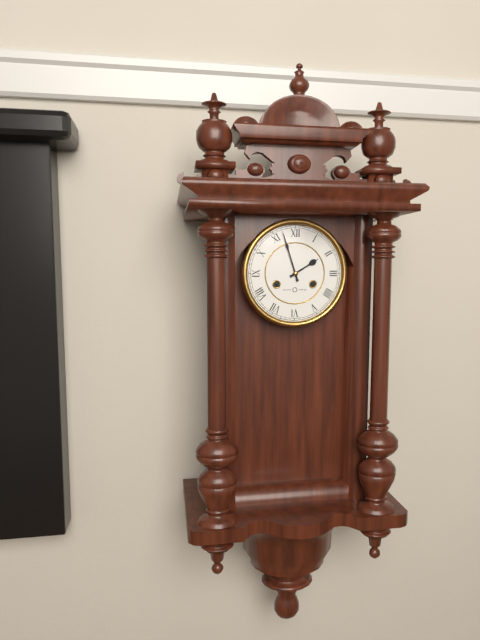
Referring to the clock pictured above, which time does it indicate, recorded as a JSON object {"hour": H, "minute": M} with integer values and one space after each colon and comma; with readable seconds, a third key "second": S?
{"hour": 1, "minute": 57}
